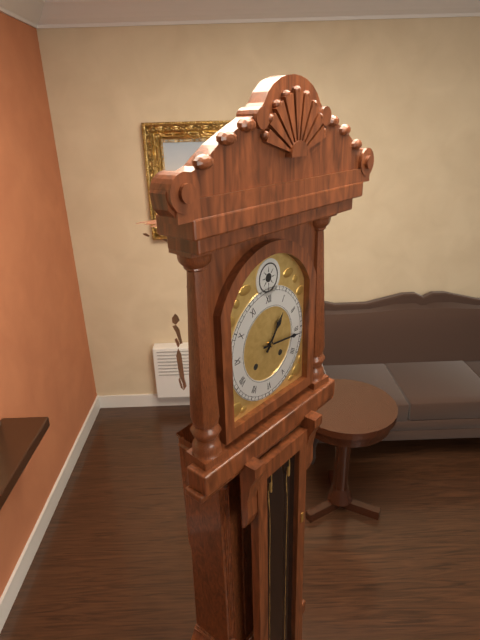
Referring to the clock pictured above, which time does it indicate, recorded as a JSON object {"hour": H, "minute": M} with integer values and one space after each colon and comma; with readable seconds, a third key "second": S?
{"hour": 1, "minute": 16}
